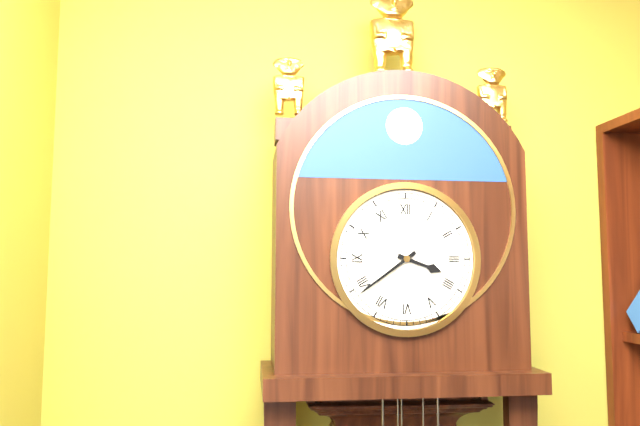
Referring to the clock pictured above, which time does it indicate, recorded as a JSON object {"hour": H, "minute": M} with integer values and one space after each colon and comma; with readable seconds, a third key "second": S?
{"hour": 3, "minute": 39}
